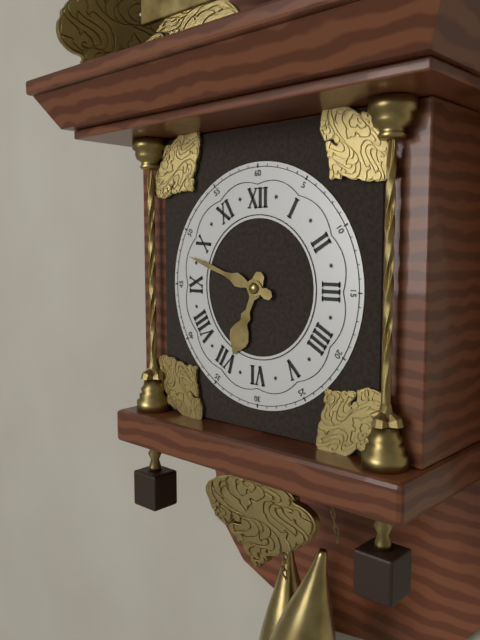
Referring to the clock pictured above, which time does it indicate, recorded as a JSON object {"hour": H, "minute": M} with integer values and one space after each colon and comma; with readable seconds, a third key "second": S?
{"hour": 6, "minute": 48}
